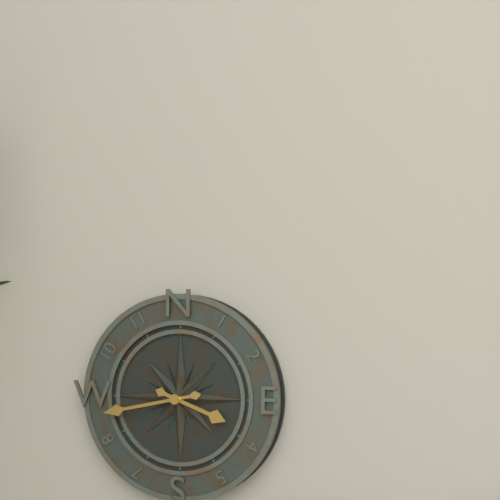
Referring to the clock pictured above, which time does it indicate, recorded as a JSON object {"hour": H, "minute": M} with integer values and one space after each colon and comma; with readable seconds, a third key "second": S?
{"hour": 3, "minute": 43}
